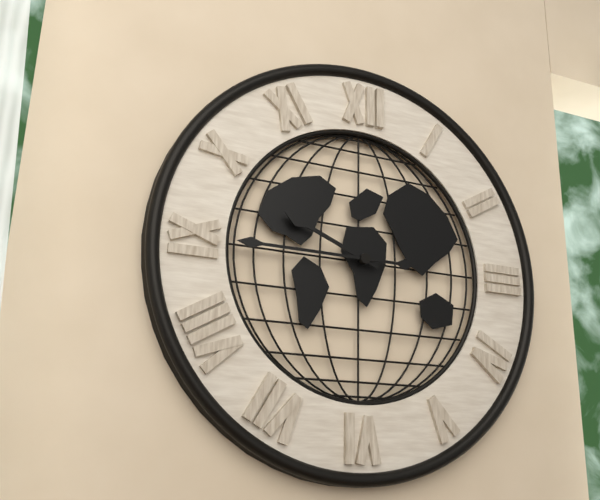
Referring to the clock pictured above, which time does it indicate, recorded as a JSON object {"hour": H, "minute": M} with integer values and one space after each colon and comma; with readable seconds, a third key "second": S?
{"hour": 9, "minute": 45}
